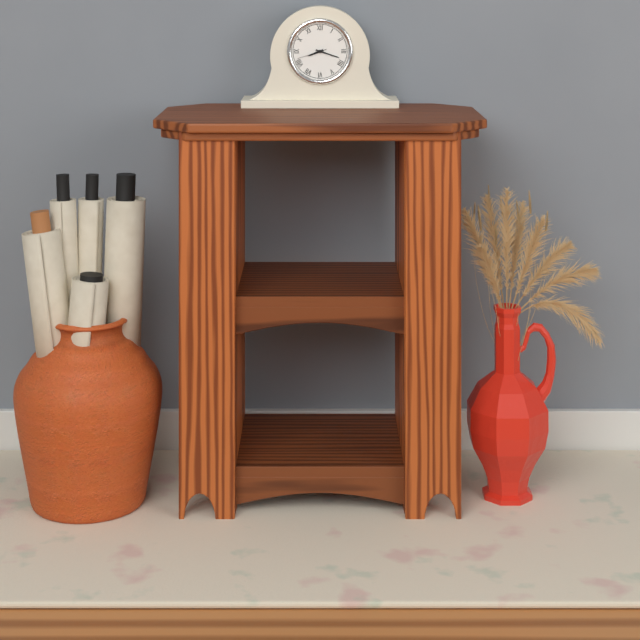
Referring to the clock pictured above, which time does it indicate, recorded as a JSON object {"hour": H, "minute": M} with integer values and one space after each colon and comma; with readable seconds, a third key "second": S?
{"hour": 8, "minute": 18}
